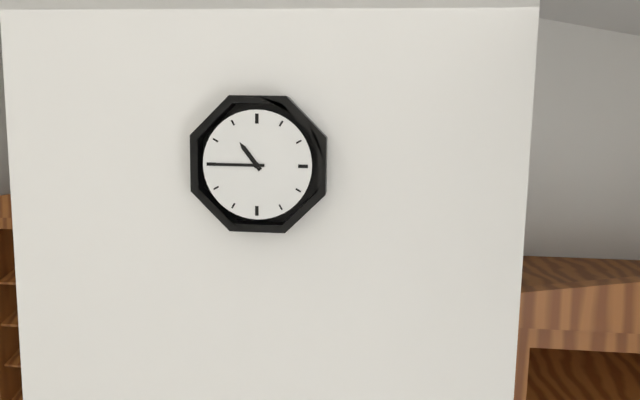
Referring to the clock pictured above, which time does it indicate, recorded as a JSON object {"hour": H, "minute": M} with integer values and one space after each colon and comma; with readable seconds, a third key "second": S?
{"hour": 10, "minute": 45}
